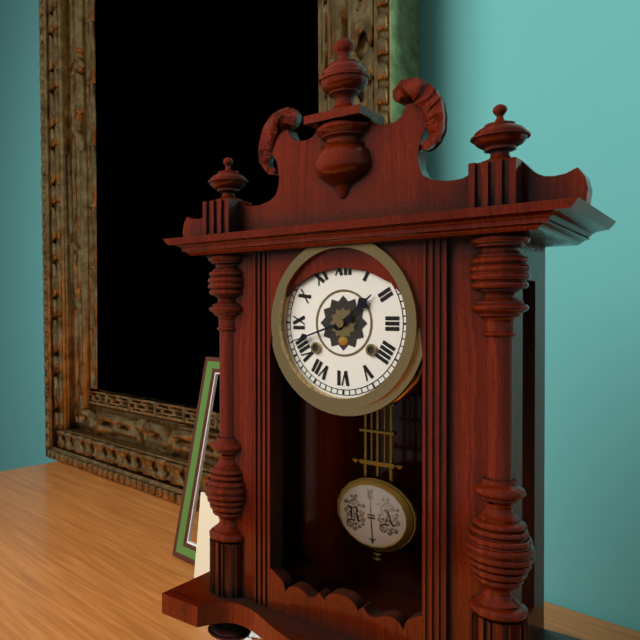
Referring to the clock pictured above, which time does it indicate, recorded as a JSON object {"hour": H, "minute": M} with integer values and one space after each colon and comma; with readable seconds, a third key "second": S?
{"hour": 1, "minute": 42}
